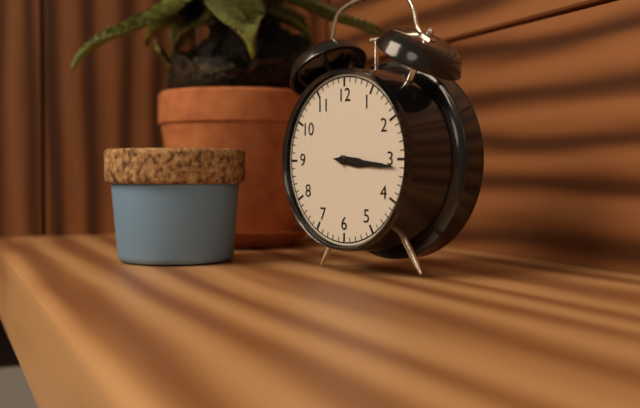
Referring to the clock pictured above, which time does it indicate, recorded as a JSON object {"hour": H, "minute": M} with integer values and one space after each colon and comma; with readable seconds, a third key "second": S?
{"hour": 3, "minute": 16}
